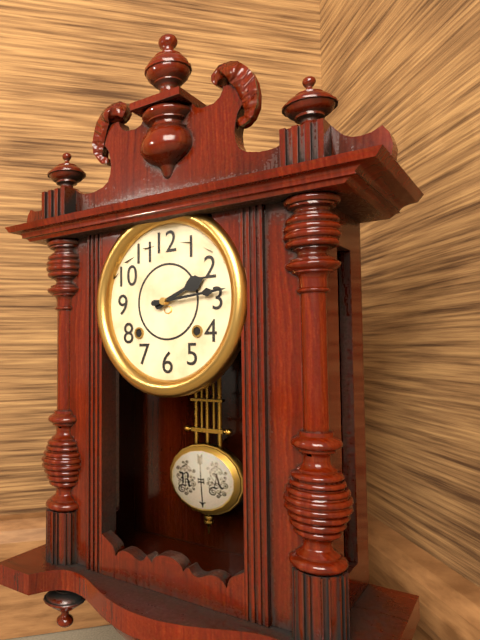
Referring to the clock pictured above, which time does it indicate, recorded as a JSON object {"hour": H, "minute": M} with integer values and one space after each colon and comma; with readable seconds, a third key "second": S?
{"hour": 2, "minute": 14}
